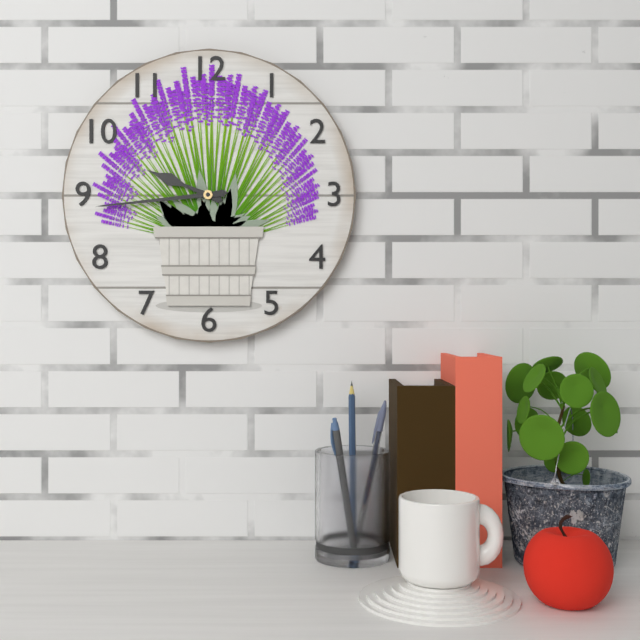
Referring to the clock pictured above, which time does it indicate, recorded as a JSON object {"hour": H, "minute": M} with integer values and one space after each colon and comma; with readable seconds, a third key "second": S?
{"hour": 9, "minute": 44}
